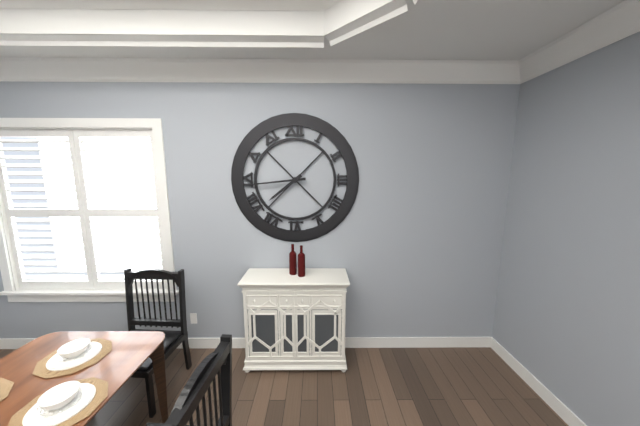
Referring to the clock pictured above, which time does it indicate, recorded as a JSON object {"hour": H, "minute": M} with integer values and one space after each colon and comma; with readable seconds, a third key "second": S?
{"hour": 7, "minute": 44}
